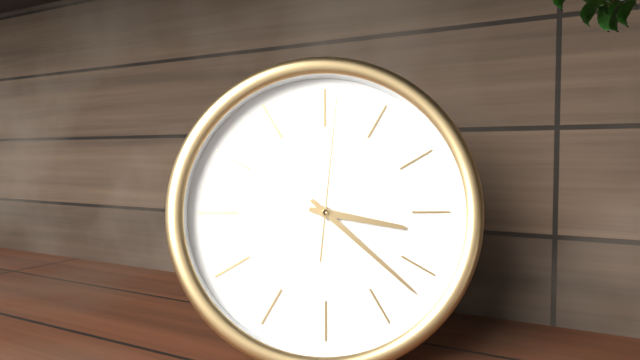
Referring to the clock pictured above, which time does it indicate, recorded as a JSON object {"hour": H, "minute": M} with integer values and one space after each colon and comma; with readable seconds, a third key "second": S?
{"hour": 3, "minute": 22, "second": 1}
